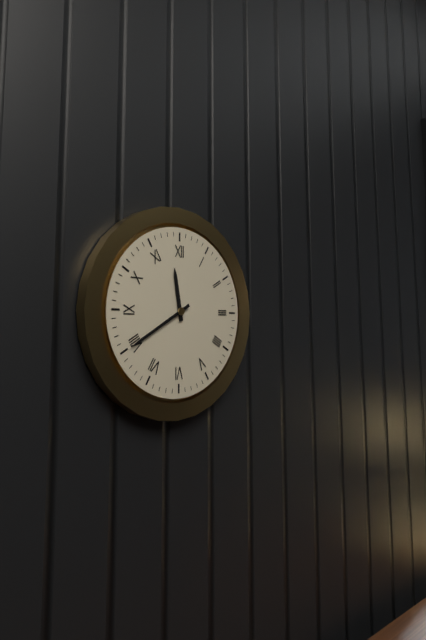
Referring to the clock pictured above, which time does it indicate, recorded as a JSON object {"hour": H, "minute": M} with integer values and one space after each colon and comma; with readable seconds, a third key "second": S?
{"hour": 11, "minute": 40}
